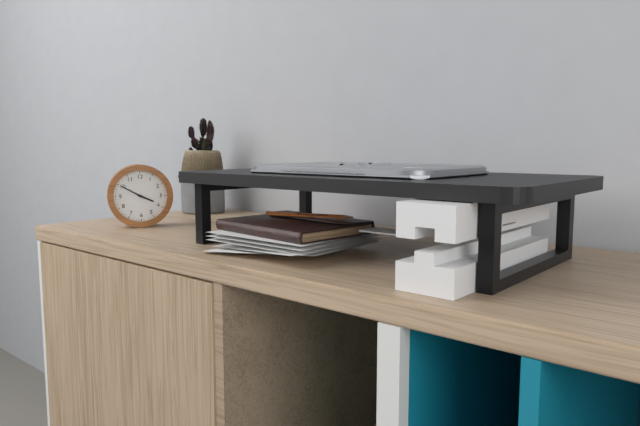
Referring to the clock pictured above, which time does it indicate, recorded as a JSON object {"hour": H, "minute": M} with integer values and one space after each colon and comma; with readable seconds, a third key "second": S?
{"hour": 3, "minute": 50}
